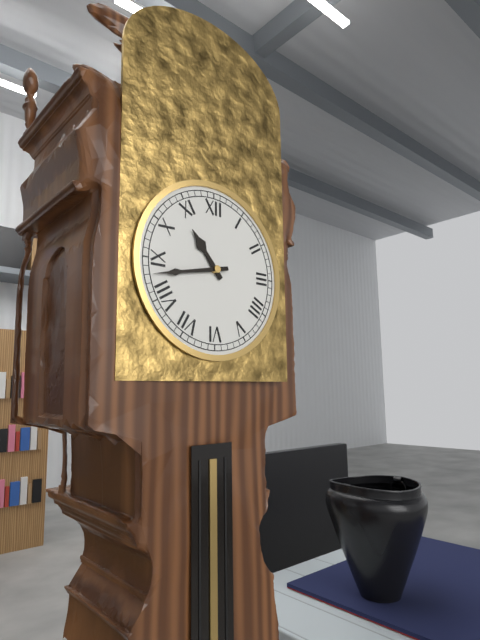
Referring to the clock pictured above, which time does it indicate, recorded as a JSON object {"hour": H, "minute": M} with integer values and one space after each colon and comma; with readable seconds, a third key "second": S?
{"hour": 10, "minute": 43}
